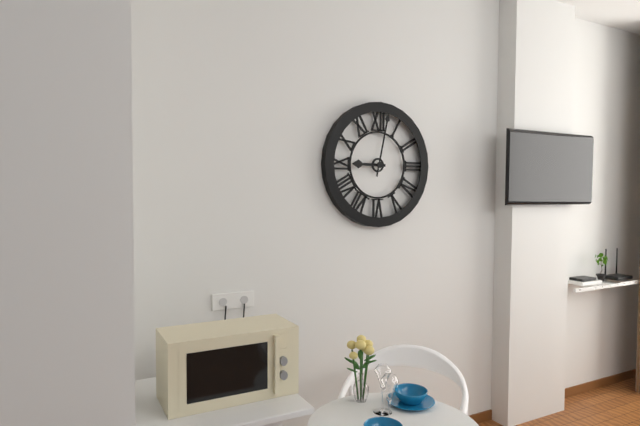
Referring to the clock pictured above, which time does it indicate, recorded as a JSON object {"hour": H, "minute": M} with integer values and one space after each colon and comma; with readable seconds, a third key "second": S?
{"hour": 9, "minute": 2}
